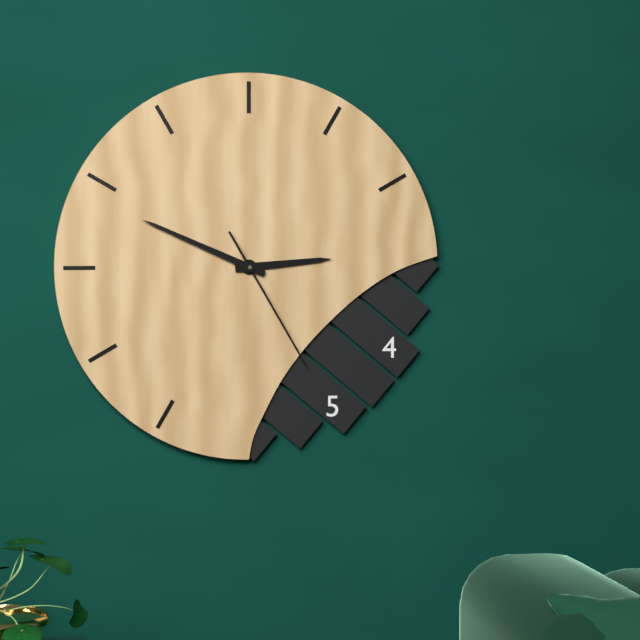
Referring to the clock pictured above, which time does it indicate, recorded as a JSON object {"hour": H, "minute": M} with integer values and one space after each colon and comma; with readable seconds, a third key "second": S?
{"hour": 2, "minute": 49, "second": 25}
